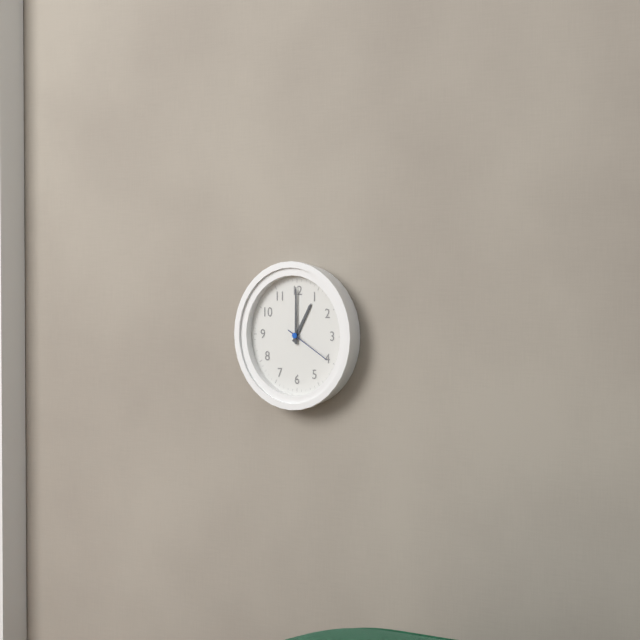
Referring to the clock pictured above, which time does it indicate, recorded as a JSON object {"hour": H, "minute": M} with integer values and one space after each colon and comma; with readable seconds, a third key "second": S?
{"hour": 1, "minute": 0}
